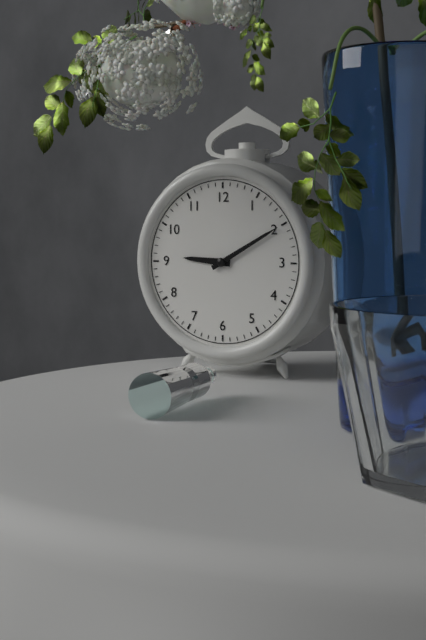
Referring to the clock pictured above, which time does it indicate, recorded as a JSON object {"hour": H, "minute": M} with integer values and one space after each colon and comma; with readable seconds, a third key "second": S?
{"hour": 9, "minute": 10}
